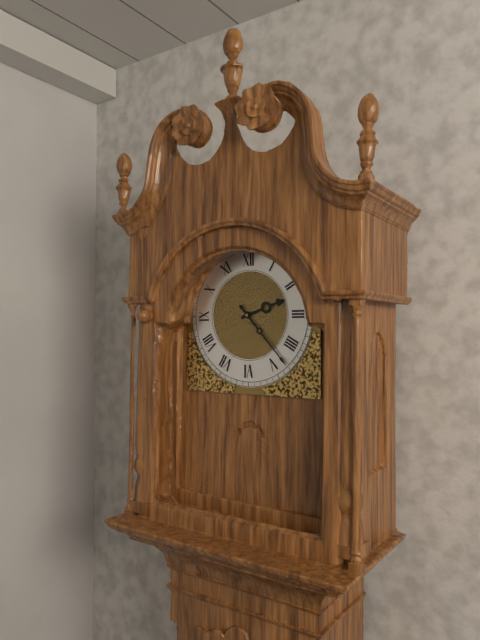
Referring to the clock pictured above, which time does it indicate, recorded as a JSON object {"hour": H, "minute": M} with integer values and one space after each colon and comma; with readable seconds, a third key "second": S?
{"hour": 2, "minute": 23}
